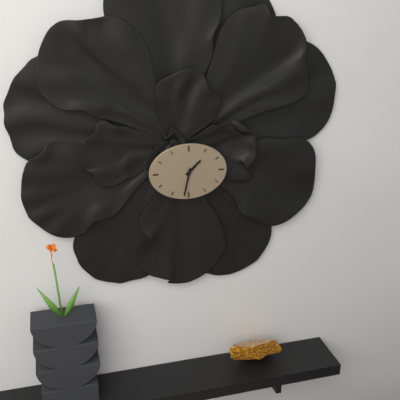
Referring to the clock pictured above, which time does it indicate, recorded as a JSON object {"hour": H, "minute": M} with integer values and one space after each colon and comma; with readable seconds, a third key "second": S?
{"hour": 1, "minute": 32}
